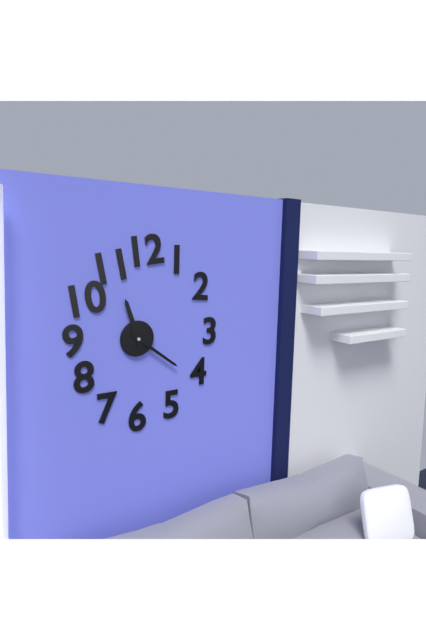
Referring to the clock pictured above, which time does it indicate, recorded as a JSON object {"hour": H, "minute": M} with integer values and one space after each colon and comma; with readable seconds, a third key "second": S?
{"hour": 11, "minute": 21}
